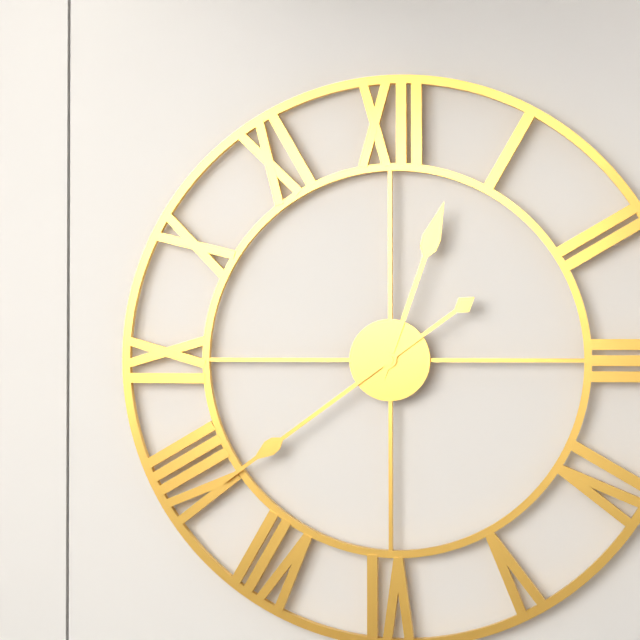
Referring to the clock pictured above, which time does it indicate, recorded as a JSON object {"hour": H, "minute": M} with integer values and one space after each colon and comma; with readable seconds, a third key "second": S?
{"hour": 12, "minute": 39}
